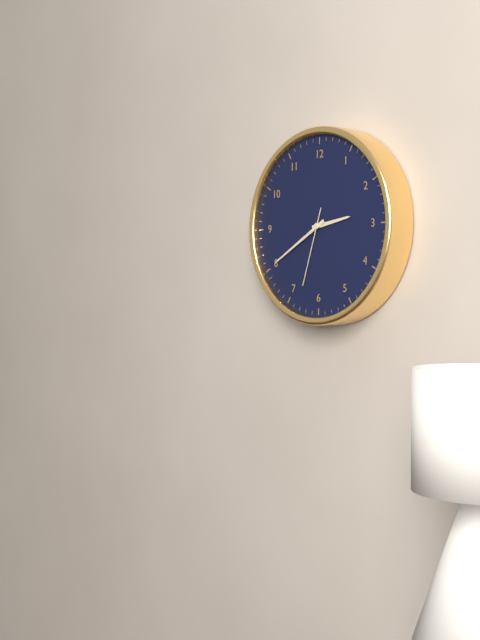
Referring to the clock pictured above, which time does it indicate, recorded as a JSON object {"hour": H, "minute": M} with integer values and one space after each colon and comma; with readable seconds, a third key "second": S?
{"hour": 2, "minute": 40, "second": 33}
